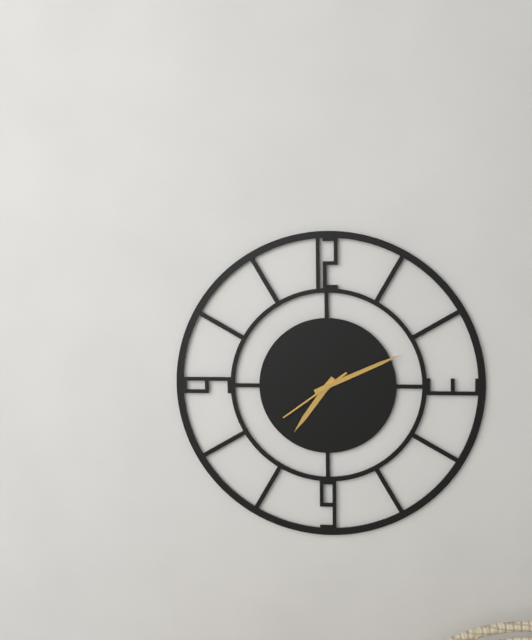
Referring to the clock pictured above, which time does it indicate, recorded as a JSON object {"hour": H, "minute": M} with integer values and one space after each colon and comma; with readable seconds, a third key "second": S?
{"hour": 7, "minute": 11, "second": 39}
